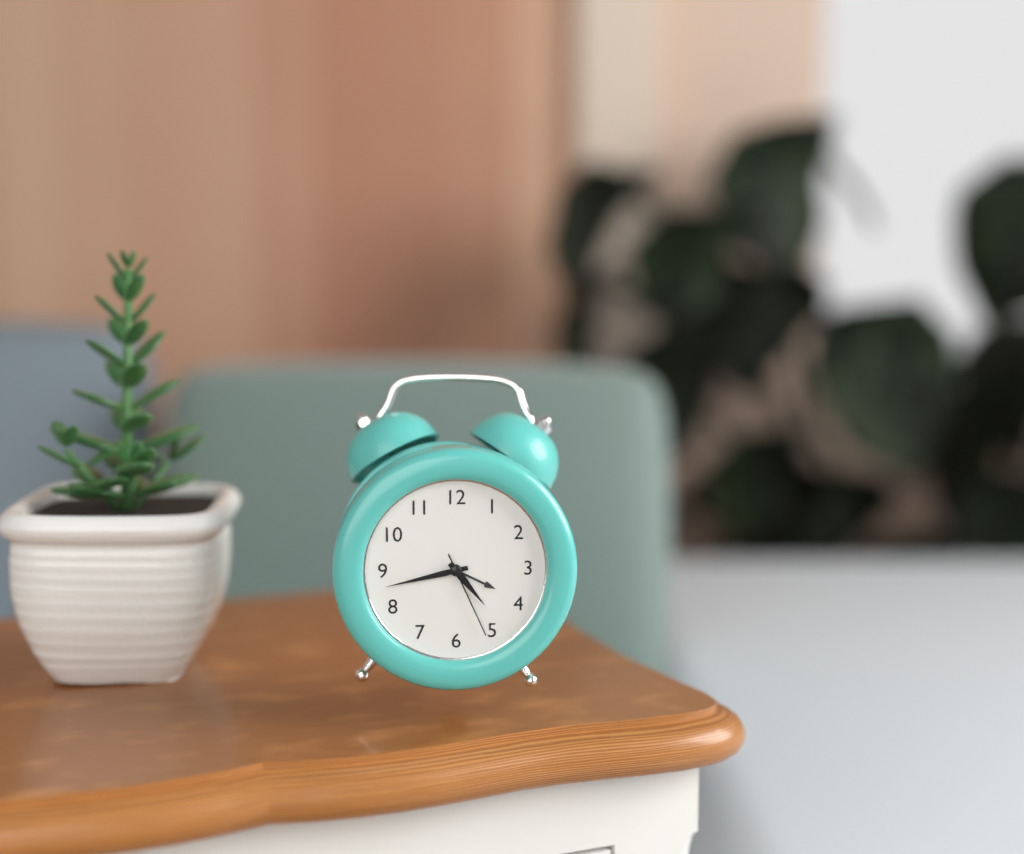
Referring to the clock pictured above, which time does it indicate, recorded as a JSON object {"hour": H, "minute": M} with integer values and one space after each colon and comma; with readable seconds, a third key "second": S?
{"hour": 4, "minute": 43, "second": 26}
